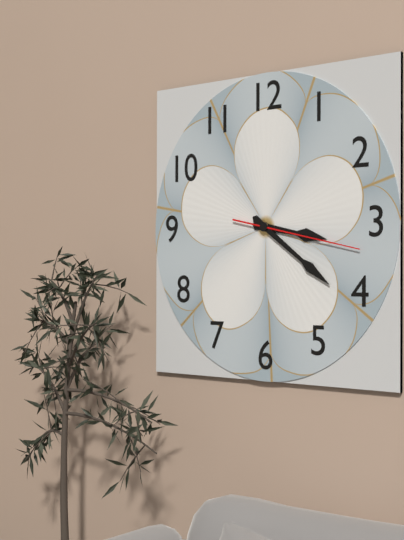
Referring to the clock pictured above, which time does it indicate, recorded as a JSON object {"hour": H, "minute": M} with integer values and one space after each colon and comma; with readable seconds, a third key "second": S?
{"hour": 3, "minute": 21, "second": 17}
